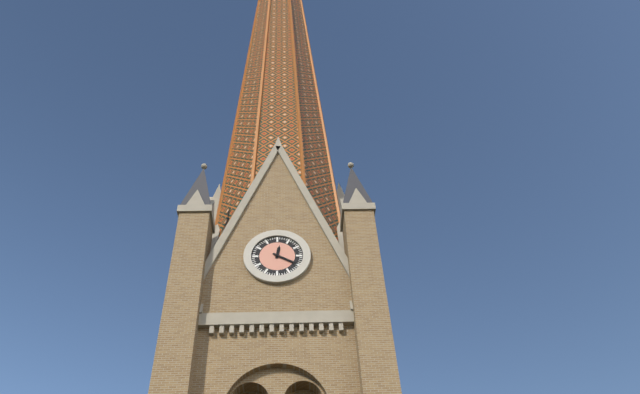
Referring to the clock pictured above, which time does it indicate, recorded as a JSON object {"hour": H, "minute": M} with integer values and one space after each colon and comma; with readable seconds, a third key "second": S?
{"hour": 12, "minute": 20}
